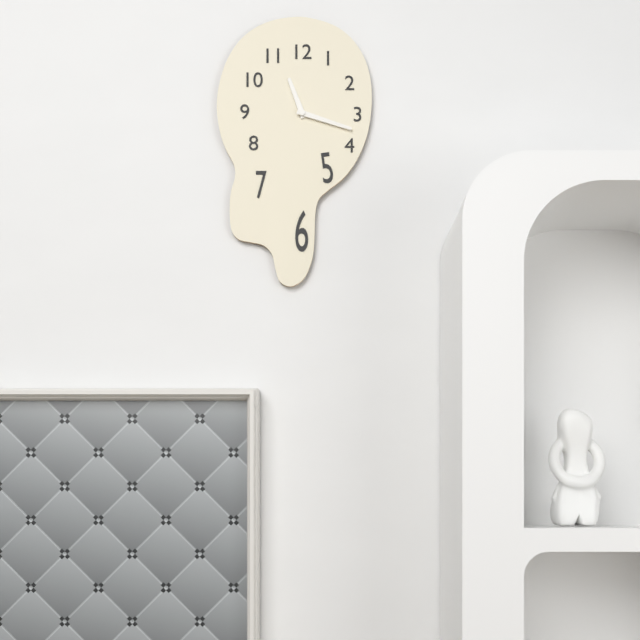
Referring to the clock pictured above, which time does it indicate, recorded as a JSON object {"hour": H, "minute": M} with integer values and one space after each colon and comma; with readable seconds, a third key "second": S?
{"hour": 11, "minute": 18}
